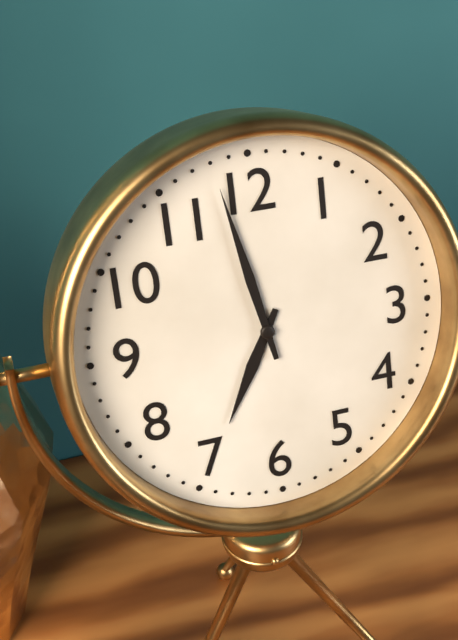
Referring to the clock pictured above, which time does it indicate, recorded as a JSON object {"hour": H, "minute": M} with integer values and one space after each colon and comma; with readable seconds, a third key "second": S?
{"hour": 6, "minute": 58}
